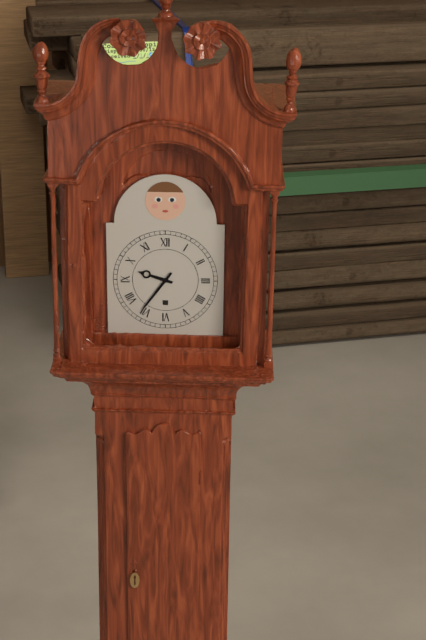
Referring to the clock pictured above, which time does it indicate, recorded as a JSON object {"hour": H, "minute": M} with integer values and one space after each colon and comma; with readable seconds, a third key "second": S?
{"hour": 9, "minute": 36}
